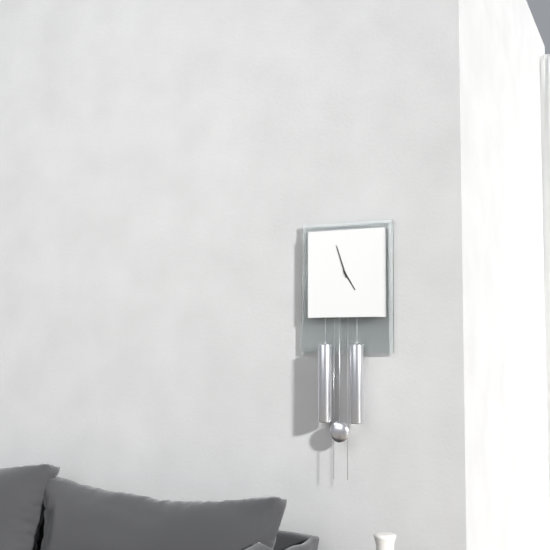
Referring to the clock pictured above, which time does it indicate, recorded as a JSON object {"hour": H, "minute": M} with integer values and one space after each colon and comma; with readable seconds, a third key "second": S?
{"hour": 4, "minute": 57}
